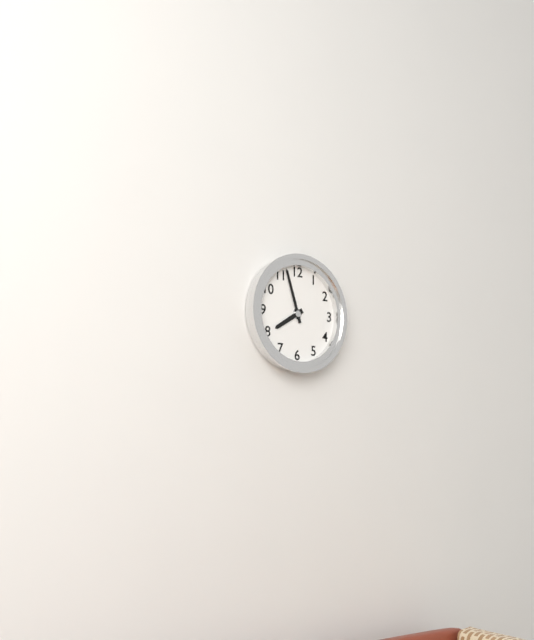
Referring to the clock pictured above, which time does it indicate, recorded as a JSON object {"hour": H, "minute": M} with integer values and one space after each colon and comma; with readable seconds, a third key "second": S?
{"hour": 7, "minute": 57}
